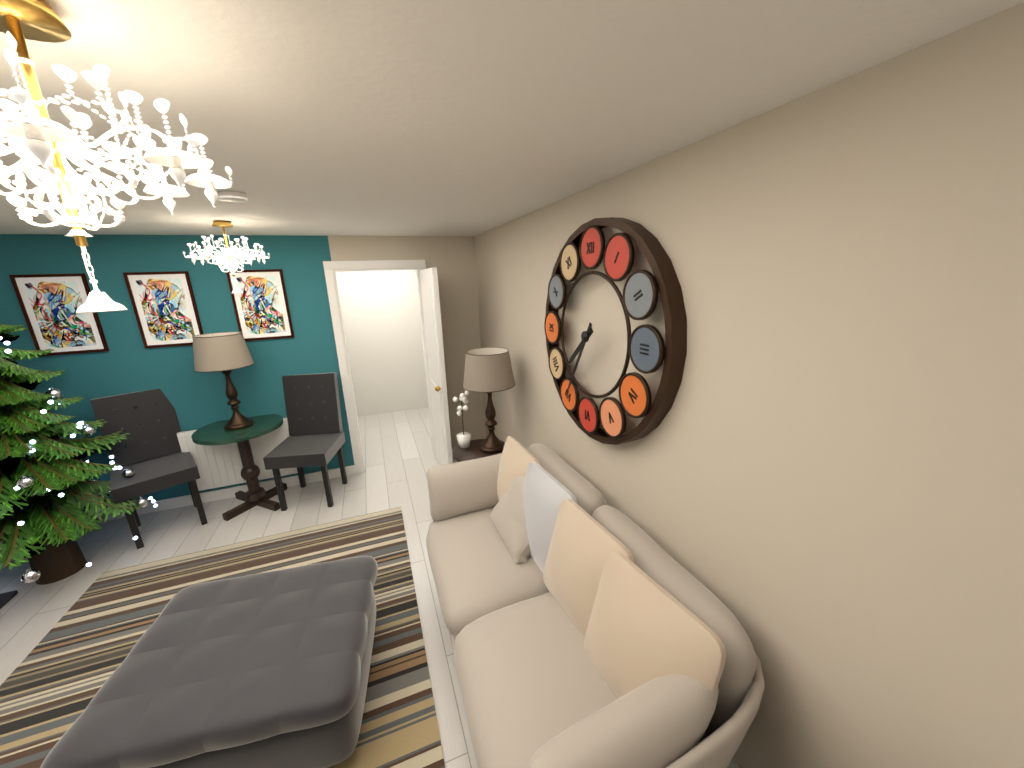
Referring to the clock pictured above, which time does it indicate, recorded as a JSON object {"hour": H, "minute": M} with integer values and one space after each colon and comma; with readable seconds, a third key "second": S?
{"hour": 7, "minute": 35}
